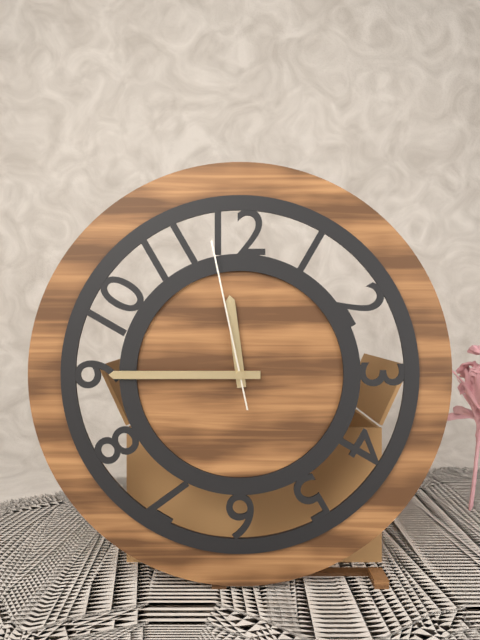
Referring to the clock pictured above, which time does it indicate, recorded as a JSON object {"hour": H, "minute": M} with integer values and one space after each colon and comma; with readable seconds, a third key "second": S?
{"hour": 11, "minute": 45, "second": 58}
